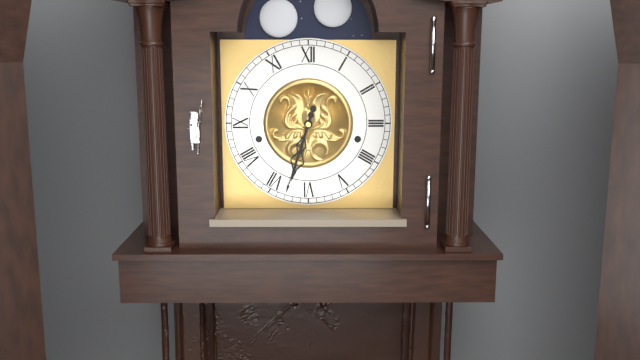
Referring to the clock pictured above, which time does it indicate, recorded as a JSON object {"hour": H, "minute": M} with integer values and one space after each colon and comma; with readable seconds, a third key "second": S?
{"hour": 6, "minute": 33}
